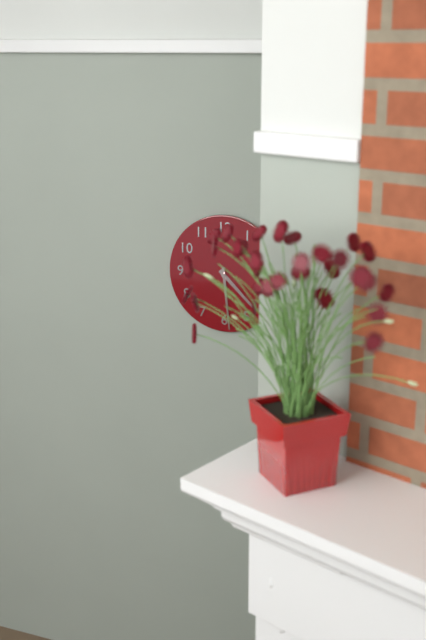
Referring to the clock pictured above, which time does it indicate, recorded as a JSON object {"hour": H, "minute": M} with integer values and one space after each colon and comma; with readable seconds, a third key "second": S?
{"hour": 4, "minute": 29}
